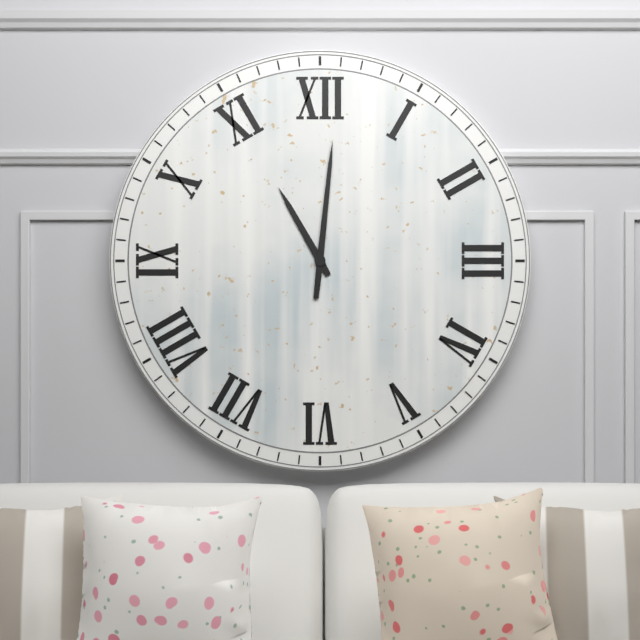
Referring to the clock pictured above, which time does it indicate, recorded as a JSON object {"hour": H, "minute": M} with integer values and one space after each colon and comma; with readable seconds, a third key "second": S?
{"hour": 11, "minute": 1}
